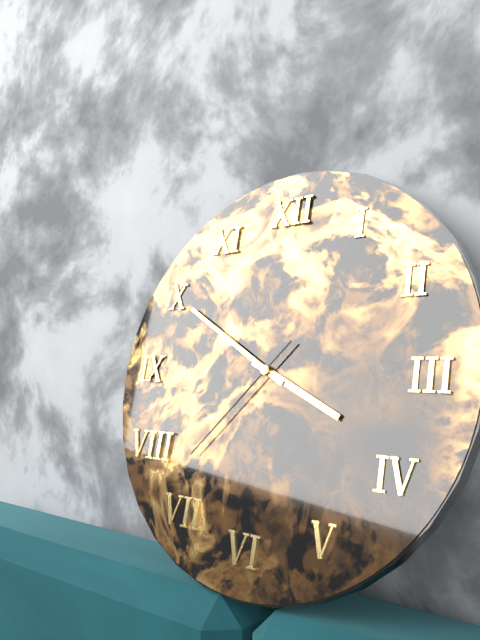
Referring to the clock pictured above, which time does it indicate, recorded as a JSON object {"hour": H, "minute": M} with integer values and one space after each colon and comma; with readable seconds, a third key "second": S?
{"hour": 3, "minute": 50, "second": 37}
